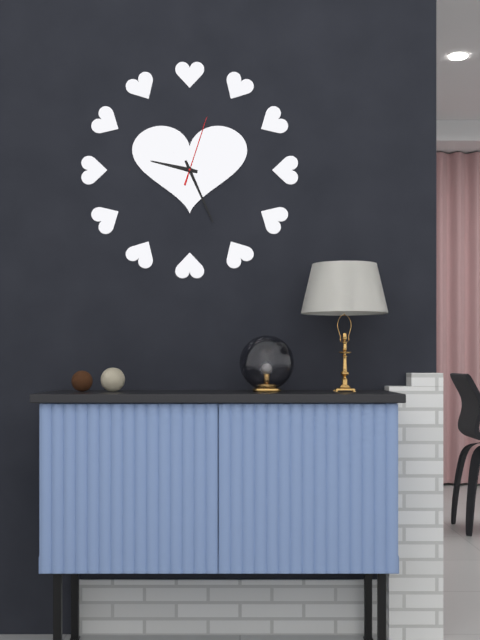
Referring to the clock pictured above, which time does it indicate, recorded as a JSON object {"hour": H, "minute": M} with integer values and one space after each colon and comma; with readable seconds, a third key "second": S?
{"hour": 9, "minute": 26, "second": 3}
